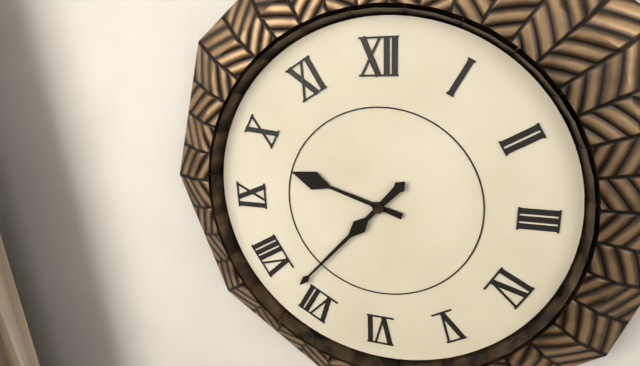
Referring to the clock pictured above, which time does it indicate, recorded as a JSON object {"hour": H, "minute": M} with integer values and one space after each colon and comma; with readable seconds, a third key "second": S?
{"hour": 9, "minute": 37}
